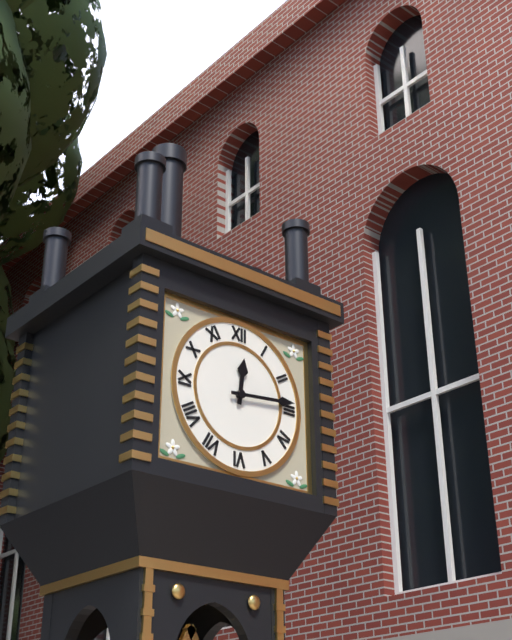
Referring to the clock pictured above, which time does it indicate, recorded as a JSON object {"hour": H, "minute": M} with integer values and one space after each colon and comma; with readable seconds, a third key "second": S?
{"hour": 12, "minute": 14}
